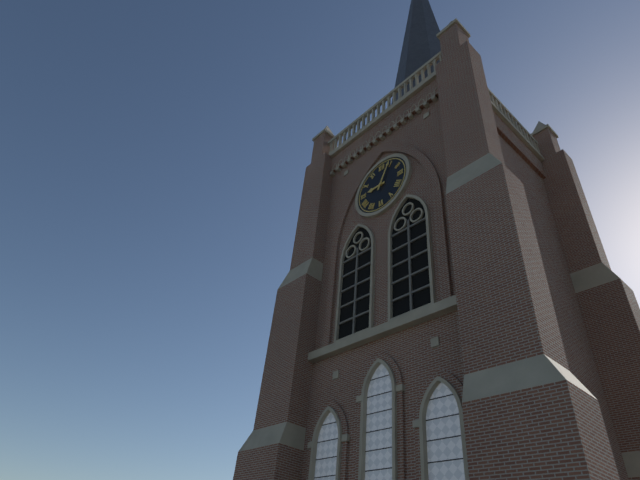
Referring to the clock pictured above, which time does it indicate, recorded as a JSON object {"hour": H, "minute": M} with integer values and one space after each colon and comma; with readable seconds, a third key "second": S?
{"hour": 9, "minute": 4}
